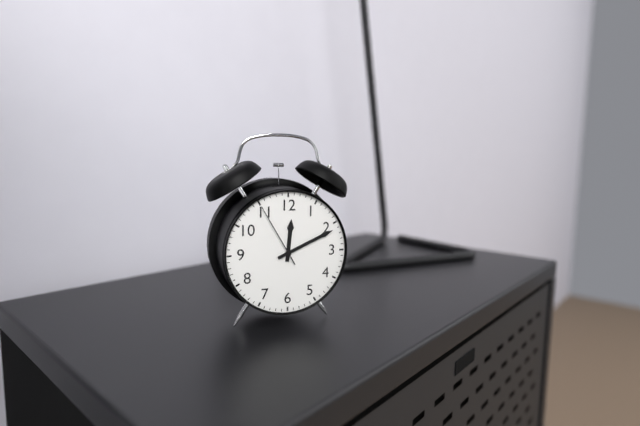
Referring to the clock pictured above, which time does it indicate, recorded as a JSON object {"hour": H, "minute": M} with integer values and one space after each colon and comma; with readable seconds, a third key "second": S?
{"hour": 12, "minute": 11, "second": 55}
